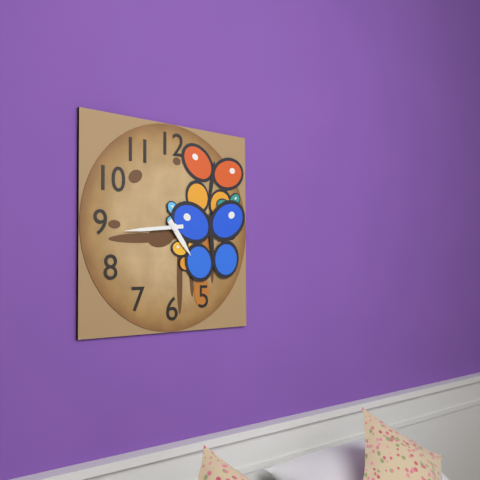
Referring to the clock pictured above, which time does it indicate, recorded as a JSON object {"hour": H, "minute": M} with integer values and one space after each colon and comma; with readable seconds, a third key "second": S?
{"hour": 4, "minute": 44}
